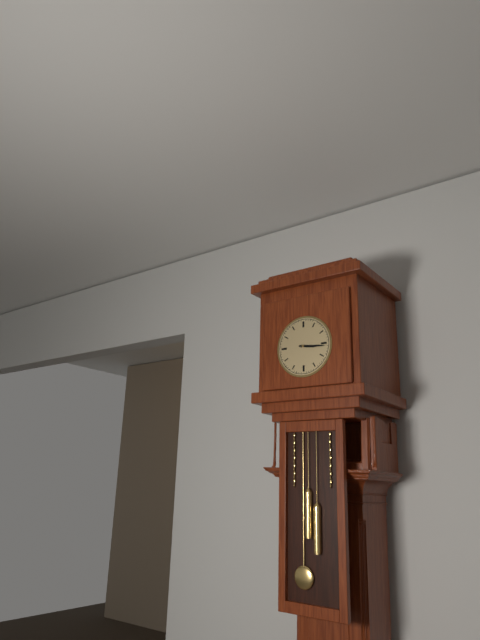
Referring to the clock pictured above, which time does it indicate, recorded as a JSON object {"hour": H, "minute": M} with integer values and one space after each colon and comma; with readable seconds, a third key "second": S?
{"hour": 3, "minute": 16}
